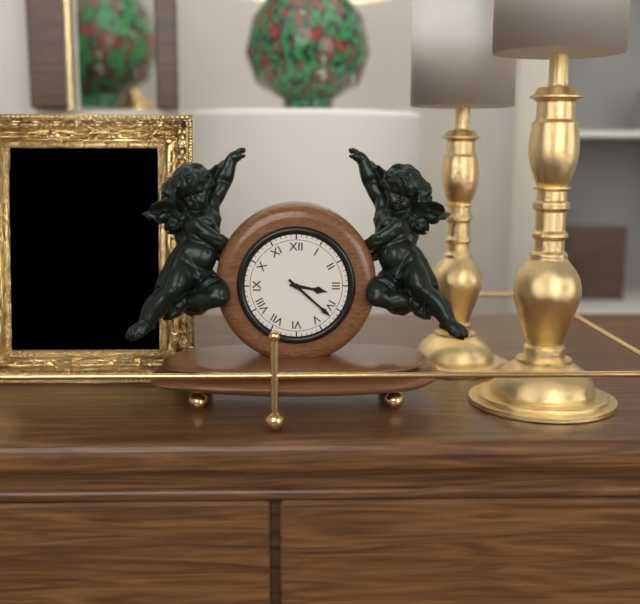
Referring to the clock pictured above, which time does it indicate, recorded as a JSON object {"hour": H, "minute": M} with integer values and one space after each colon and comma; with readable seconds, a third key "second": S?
{"hour": 3, "minute": 22}
